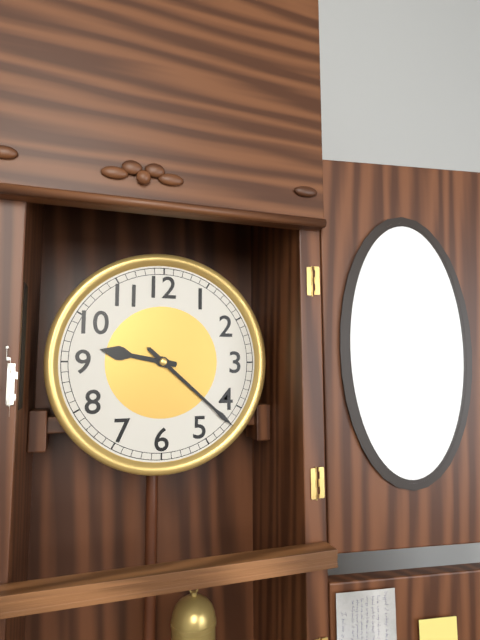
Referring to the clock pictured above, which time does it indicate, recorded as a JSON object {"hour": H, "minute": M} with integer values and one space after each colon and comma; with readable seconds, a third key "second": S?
{"hour": 9, "minute": 22}
